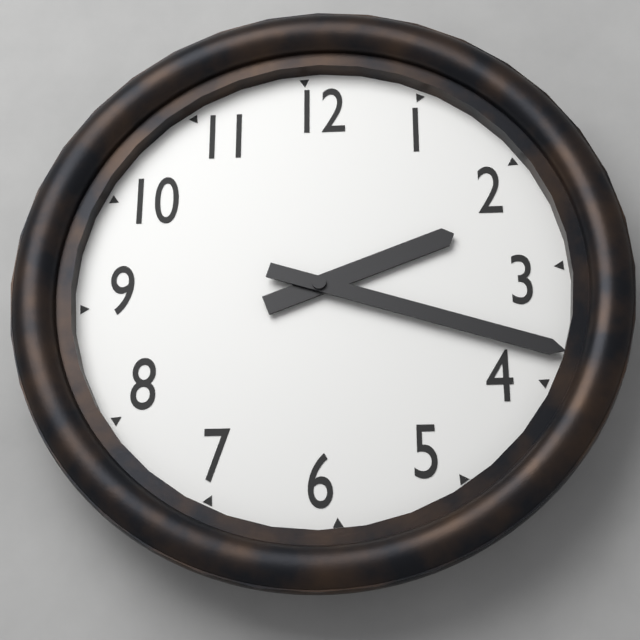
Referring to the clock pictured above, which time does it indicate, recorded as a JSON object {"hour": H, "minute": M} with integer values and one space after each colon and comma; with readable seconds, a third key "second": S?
{"hour": 2, "minute": 18}
